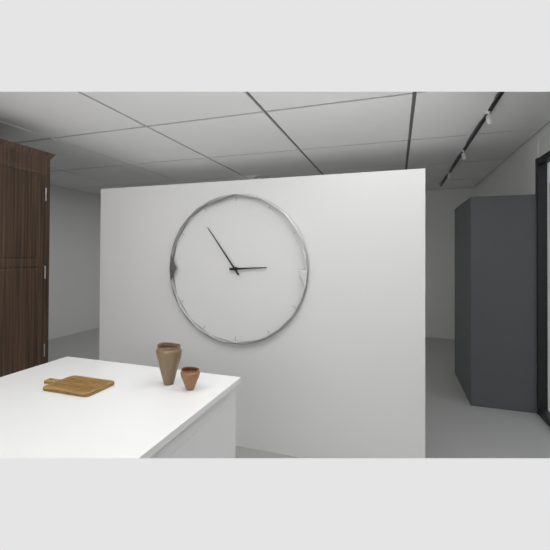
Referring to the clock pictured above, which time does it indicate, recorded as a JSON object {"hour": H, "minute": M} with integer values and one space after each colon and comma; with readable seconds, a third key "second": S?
{"hour": 2, "minute": 54}
